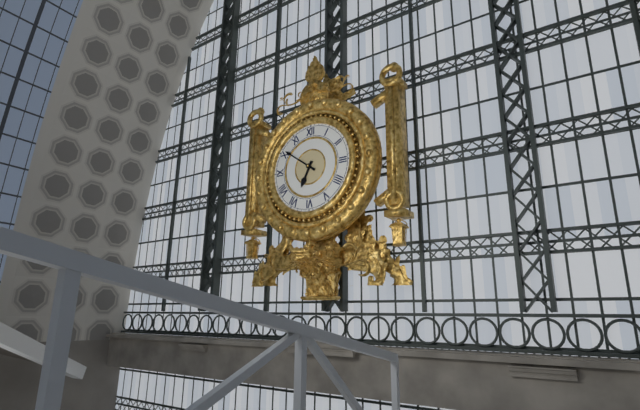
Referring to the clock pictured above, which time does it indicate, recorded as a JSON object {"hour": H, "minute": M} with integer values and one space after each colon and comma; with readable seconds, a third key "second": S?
{"hour": 6, "minute": 51}
